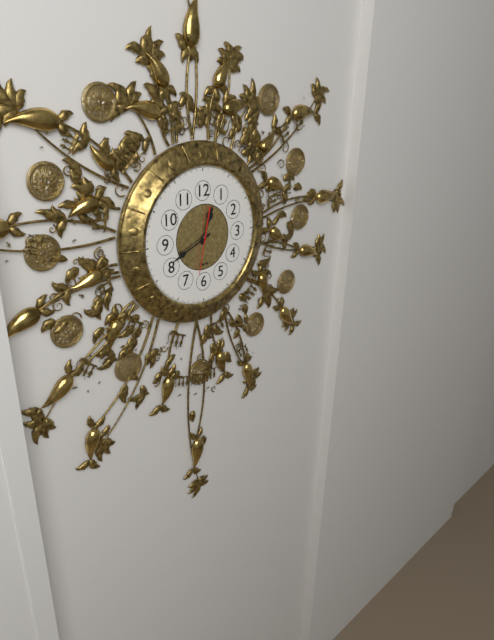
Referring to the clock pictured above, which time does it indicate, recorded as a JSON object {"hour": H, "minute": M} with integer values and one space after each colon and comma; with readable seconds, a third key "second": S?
{"hour": 12, "minute": 41, "second": 32}
